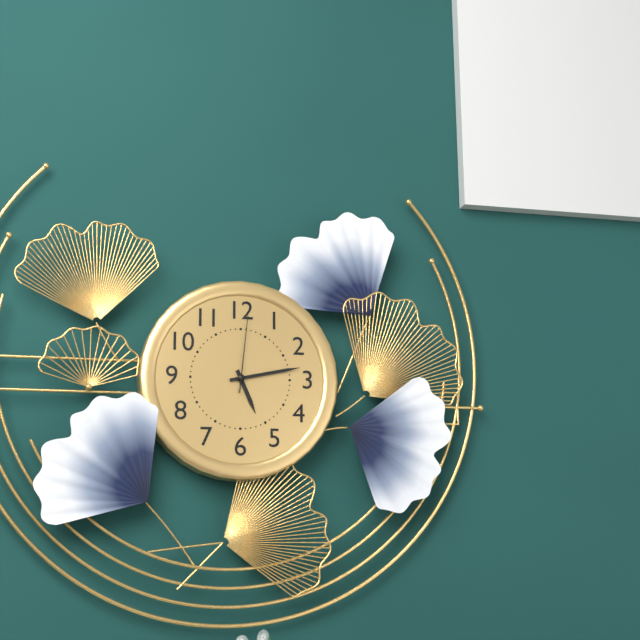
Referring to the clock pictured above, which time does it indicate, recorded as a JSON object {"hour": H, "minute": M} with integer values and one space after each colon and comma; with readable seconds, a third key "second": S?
{"hour": 5, "minute": 13, "second": 1}
